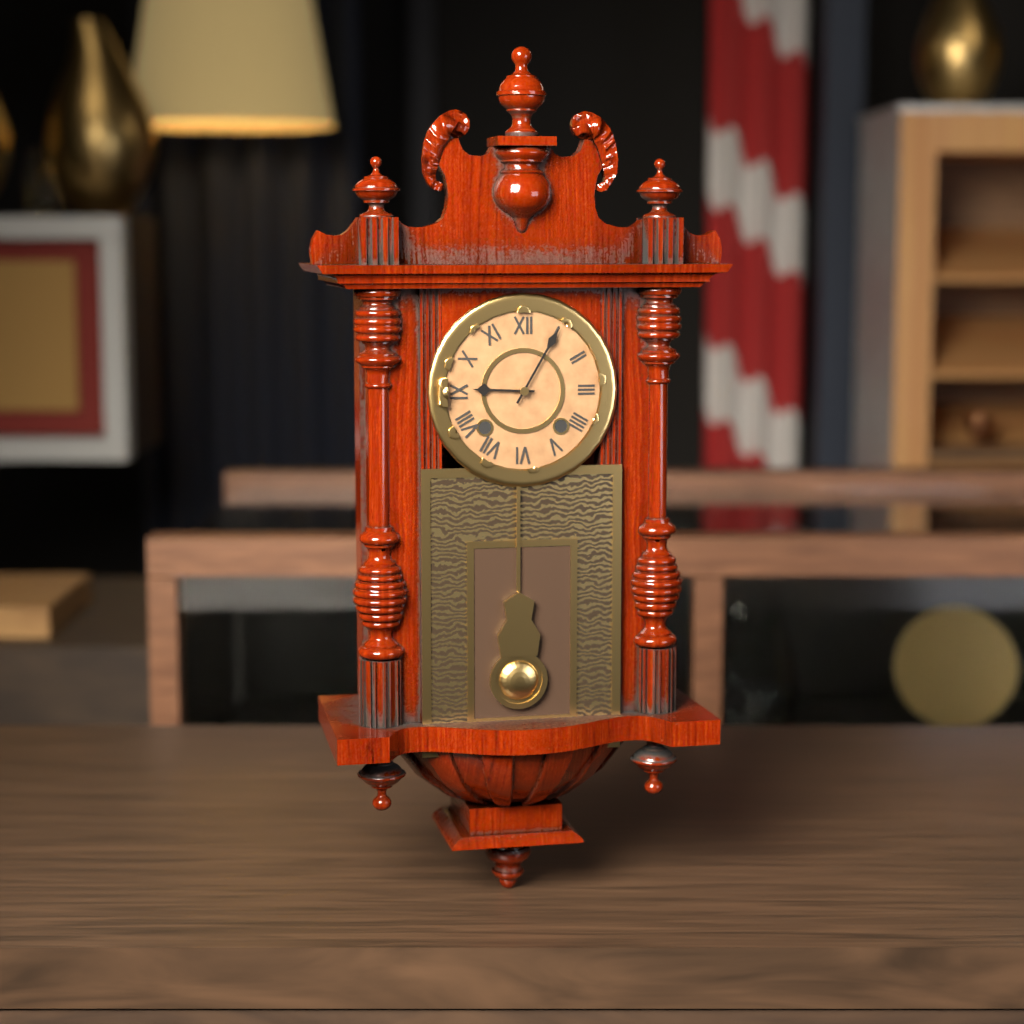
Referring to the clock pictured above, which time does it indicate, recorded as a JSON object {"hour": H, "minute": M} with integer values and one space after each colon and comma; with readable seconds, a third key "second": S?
{"hour": 9, "minute": 5}
